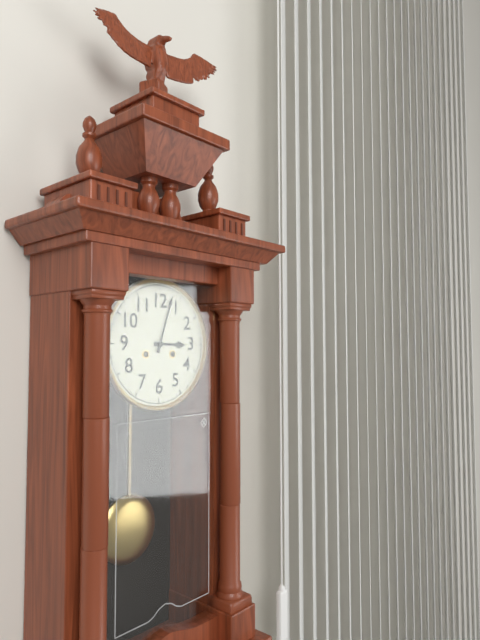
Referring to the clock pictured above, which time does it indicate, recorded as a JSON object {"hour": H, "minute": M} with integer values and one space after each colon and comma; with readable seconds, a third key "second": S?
{"hour": 3, "minute": 3}
